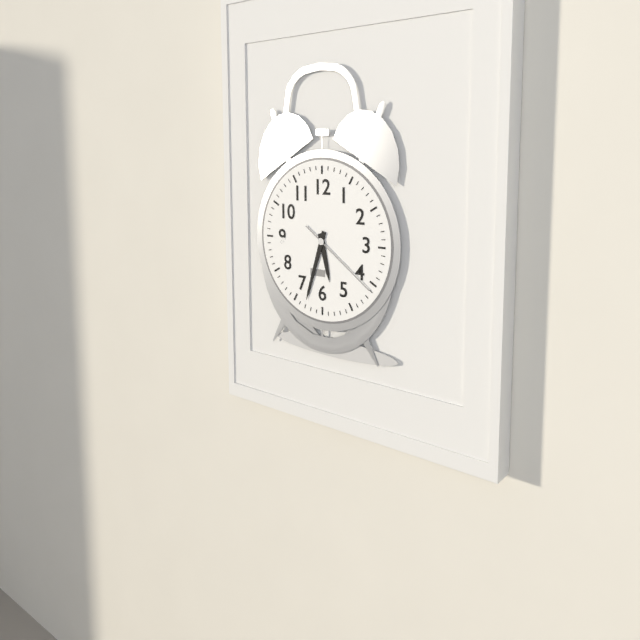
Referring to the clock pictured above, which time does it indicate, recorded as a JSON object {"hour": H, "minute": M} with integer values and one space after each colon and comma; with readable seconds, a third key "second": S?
{"hour": 5, "minute": 33, "second": 21}
